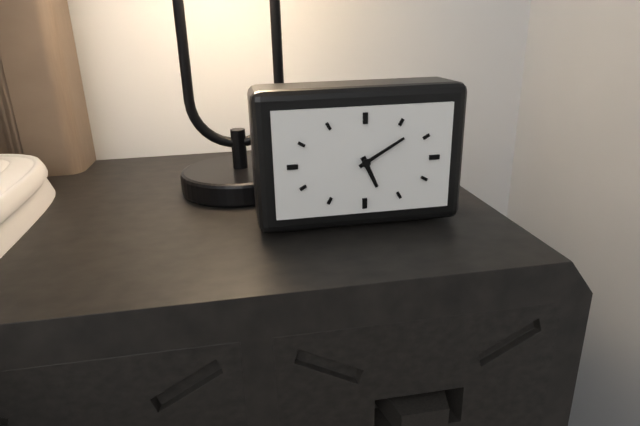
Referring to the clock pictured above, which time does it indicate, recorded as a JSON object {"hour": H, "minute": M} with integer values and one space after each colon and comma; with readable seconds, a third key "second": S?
{"hour": 5, "minute": 10}
